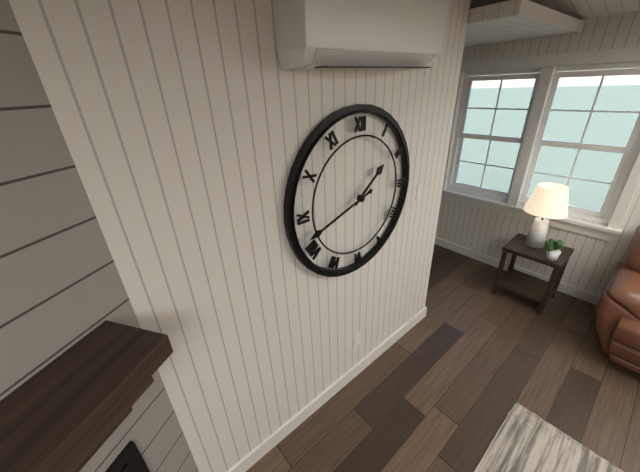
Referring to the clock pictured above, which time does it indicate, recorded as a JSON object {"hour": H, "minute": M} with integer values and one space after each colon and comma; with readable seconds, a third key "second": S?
{"hour": 1, "minute": 42}
